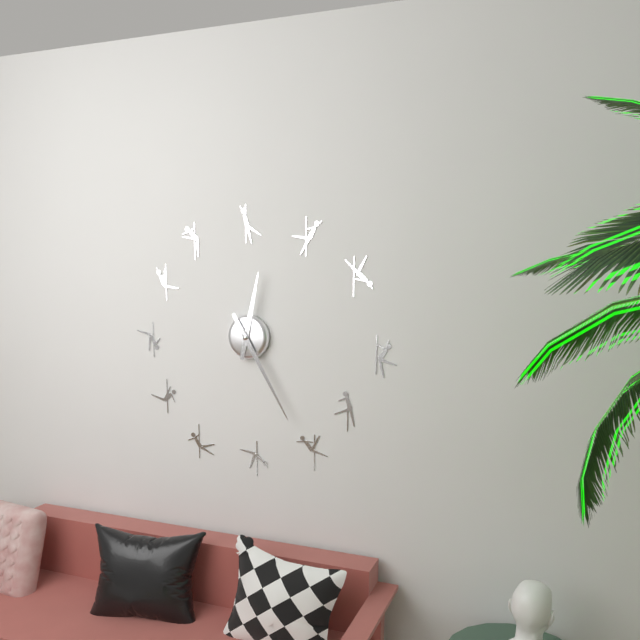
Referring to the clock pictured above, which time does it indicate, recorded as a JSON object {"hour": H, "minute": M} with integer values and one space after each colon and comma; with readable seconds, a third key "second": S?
{"hour": 12, "minute": 25}
